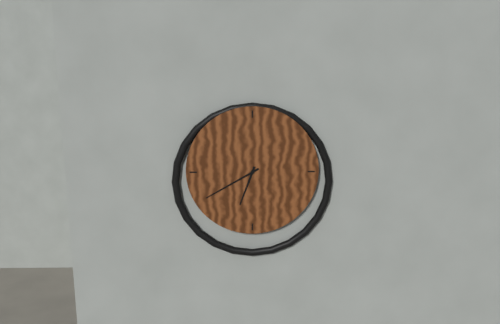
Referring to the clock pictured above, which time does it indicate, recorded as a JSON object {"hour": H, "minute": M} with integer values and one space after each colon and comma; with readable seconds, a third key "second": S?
{"hour": 6, "minute": 40}
